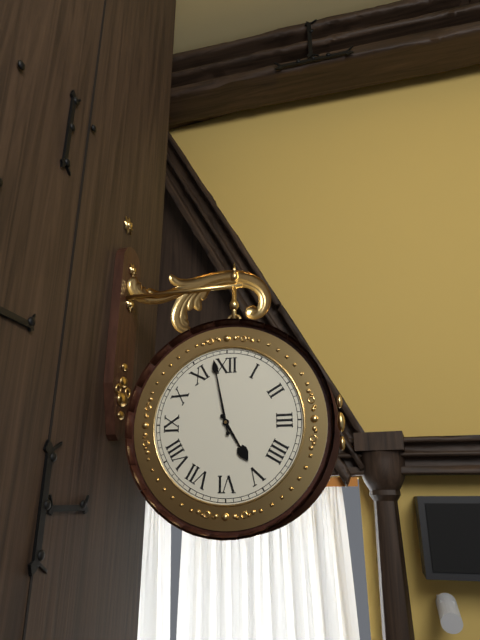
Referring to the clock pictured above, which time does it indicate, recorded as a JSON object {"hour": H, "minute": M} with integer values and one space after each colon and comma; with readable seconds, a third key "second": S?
{"hour": 4, "minute": 58}
